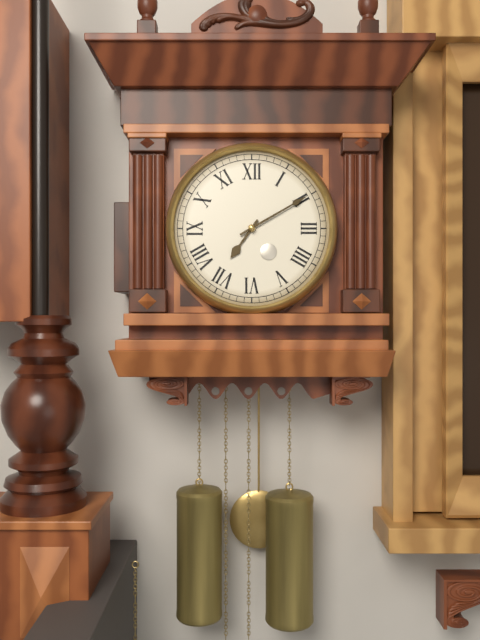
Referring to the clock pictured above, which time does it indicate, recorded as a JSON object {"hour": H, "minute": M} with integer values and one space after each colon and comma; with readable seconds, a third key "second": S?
{"hour": 7, "minute": 10}
